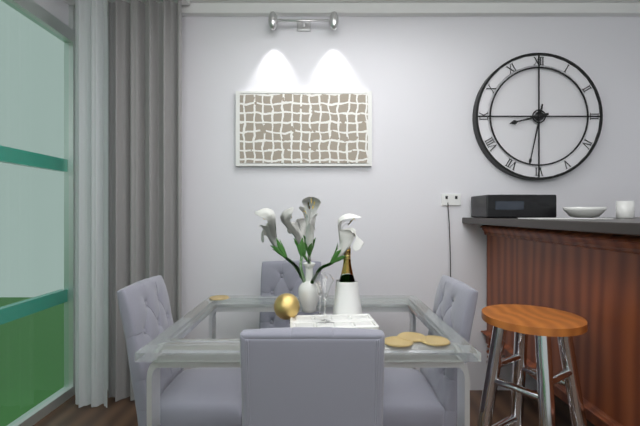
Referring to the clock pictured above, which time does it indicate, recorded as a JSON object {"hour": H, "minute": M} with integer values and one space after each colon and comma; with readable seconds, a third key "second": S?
{"hour": 8, "minute": 32}
